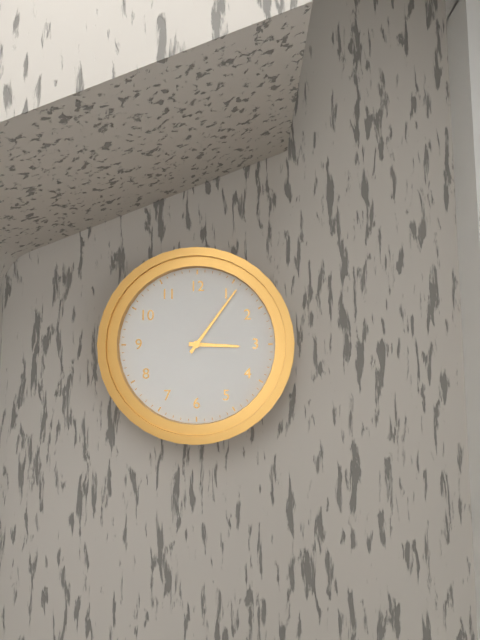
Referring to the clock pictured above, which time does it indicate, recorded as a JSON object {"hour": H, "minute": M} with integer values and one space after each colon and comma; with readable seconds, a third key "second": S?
{"hour": 3, "minute": 6}
